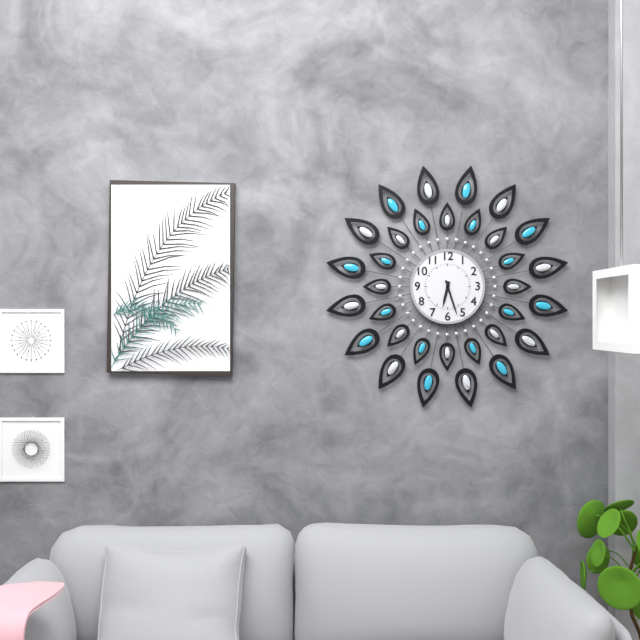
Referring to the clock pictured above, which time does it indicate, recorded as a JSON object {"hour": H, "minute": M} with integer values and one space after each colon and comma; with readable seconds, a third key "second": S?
{"hour": 6, "minute": 27}
